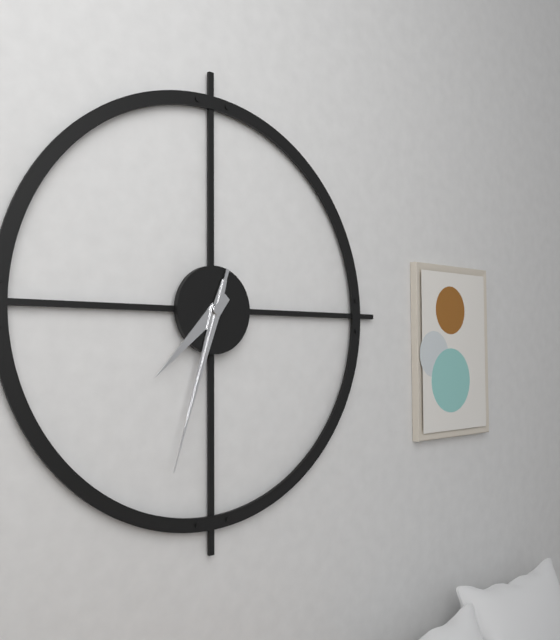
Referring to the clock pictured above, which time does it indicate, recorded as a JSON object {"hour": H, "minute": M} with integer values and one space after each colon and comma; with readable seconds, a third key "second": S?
{"hour": 7, "minute": 33, "second": 33}
